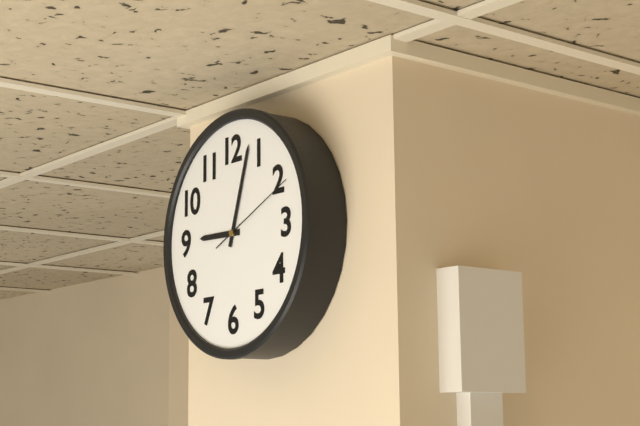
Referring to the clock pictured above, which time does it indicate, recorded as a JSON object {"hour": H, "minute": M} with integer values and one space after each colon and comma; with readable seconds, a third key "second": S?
{"hour": 9, "minute": 3, "second": 11}
